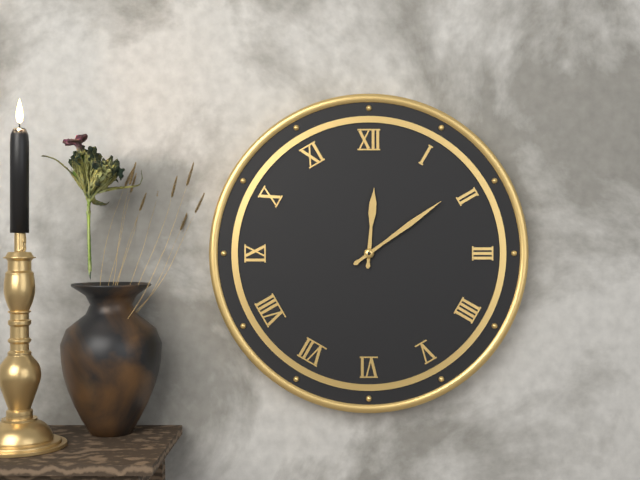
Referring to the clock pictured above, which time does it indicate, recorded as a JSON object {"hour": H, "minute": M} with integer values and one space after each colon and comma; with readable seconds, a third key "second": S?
{"hour": 12, "minute": 9}
